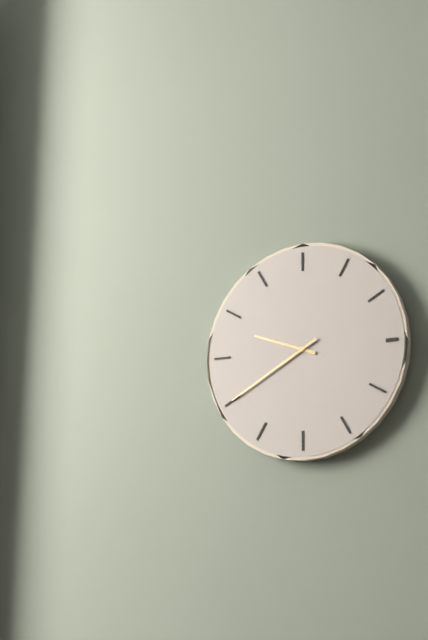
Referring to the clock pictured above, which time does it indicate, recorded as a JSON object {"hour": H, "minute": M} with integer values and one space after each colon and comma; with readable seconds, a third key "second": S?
{"hour": 9, "minute": 40}
